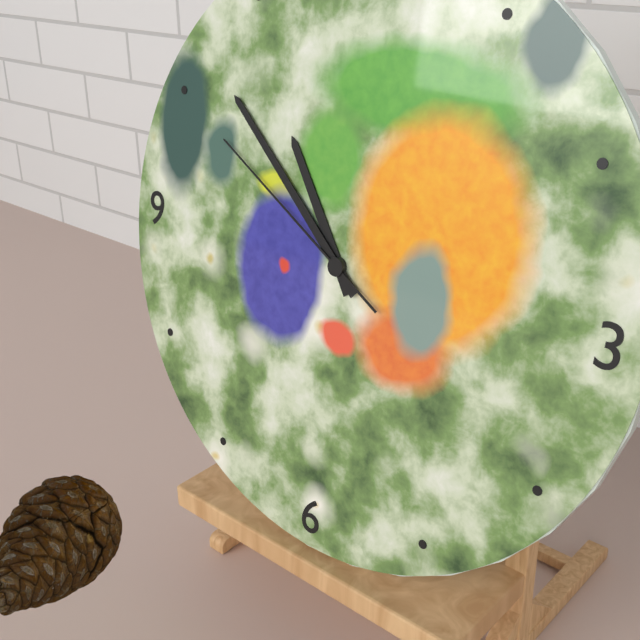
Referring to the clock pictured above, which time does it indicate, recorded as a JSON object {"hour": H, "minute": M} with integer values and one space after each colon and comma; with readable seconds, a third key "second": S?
{"hour": 10, "minute": 52, "second": 50}
